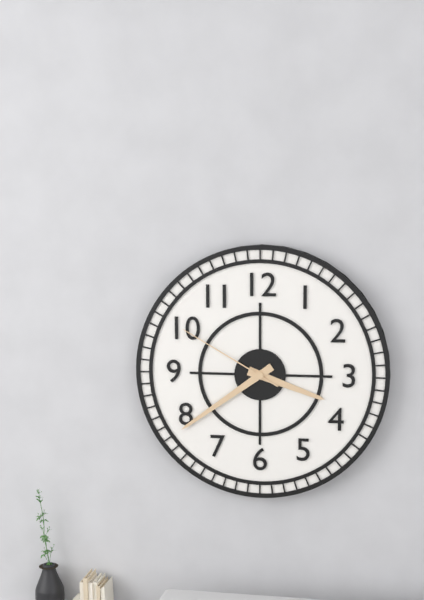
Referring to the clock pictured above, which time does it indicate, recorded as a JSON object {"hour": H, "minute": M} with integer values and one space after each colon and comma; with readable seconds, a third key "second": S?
{"hour": 3, "minute": 39, "second": 50}
